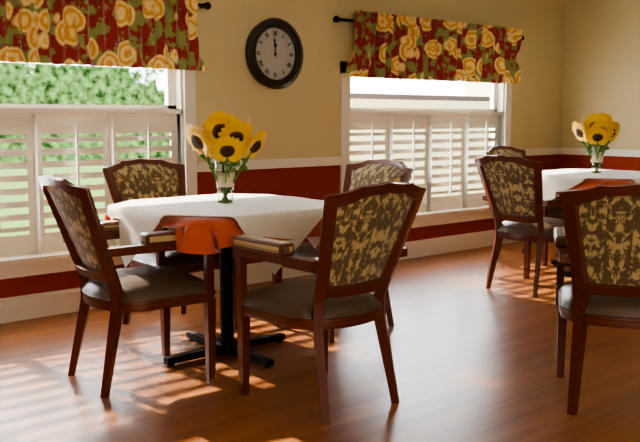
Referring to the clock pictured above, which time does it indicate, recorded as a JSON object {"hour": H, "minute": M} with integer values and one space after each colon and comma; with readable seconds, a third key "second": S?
{"hour": 11, "minute": 59}
